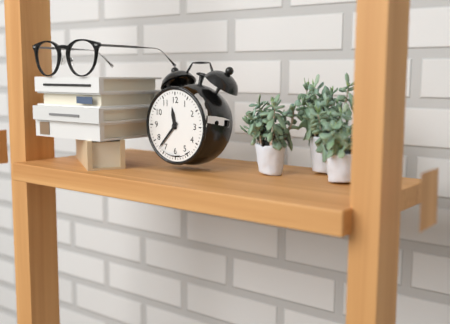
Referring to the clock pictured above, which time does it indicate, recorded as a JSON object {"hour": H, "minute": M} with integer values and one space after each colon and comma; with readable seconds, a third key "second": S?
{"hour": 11, "minute": 37}
